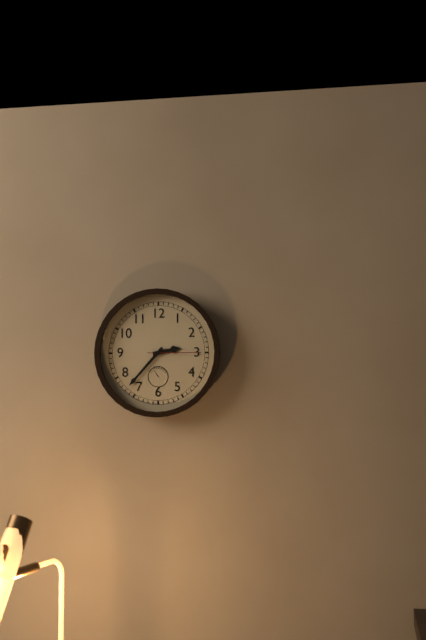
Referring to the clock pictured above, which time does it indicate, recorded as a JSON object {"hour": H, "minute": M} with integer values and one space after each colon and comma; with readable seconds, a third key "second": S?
{"hour": 2, "minute": 37, "second": 15}
